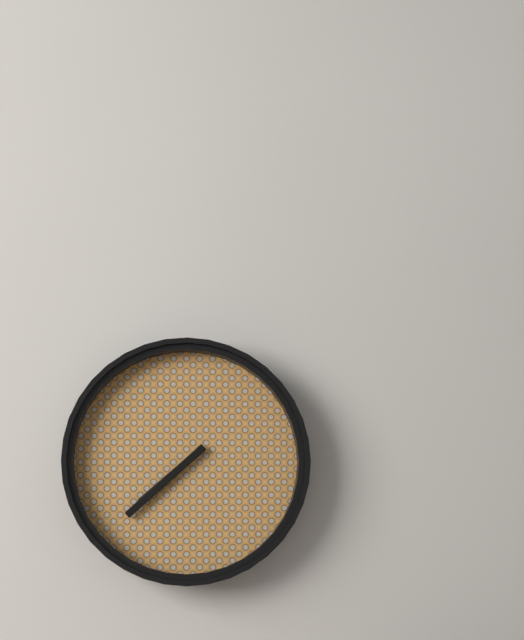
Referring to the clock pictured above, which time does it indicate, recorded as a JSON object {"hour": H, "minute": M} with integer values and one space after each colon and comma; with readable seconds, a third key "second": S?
{"hour": 7, "minute": 38}
